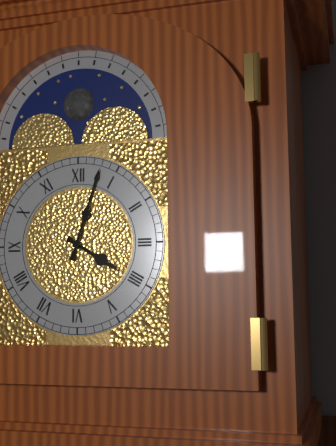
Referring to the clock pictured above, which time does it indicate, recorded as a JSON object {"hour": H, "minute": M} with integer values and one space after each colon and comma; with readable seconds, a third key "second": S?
{"hour": 4, "minute": 3}
